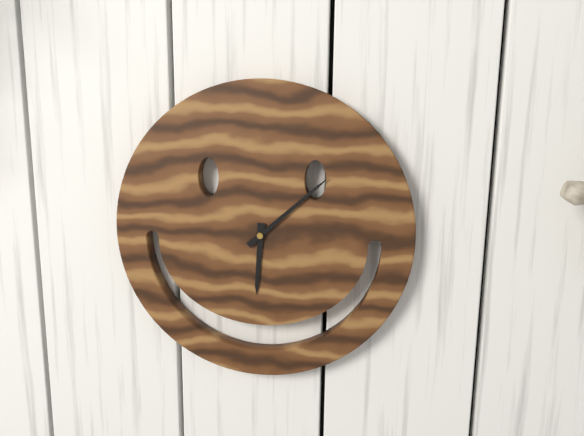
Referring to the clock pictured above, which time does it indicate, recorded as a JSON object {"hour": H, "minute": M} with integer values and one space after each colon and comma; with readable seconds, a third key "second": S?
{"hour": 6, "minute": 8}
